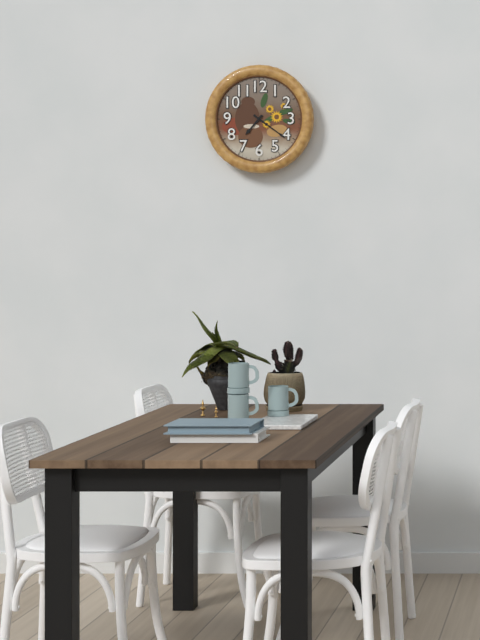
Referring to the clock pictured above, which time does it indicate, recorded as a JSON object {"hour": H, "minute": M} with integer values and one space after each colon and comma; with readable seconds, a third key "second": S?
{"hour": 7, "minute": 21}
